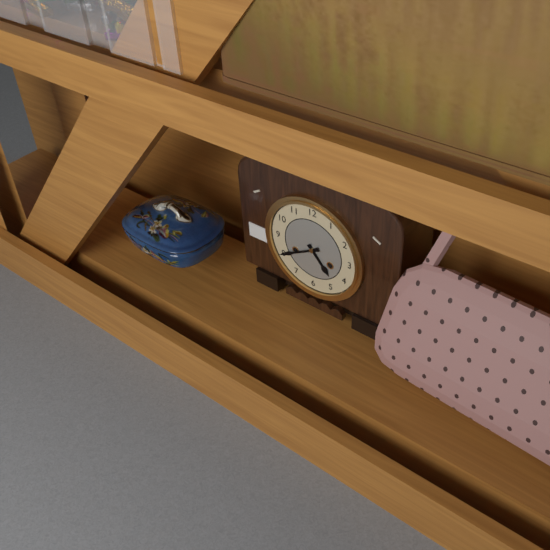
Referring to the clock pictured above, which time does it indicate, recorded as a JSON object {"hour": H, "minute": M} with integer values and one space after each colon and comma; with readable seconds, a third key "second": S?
{"hour": 4, "minute": 40}
